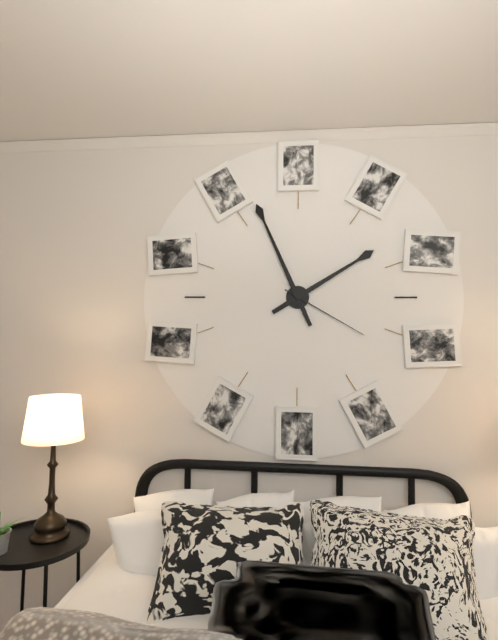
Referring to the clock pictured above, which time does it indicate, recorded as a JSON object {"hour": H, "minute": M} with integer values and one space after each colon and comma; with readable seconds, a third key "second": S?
{"hour": 1, "minute": 56, "second": 20}
